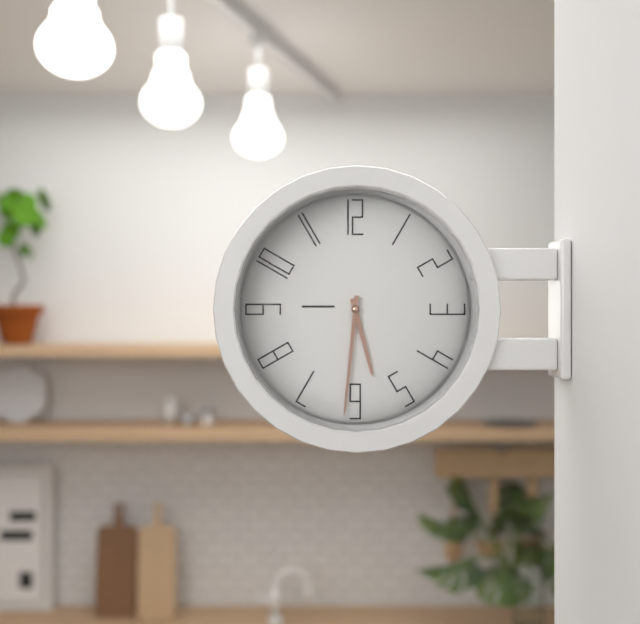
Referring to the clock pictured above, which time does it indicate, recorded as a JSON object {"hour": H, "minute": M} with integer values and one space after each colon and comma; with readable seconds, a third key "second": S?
{"hour": 5, "minute": 31}
